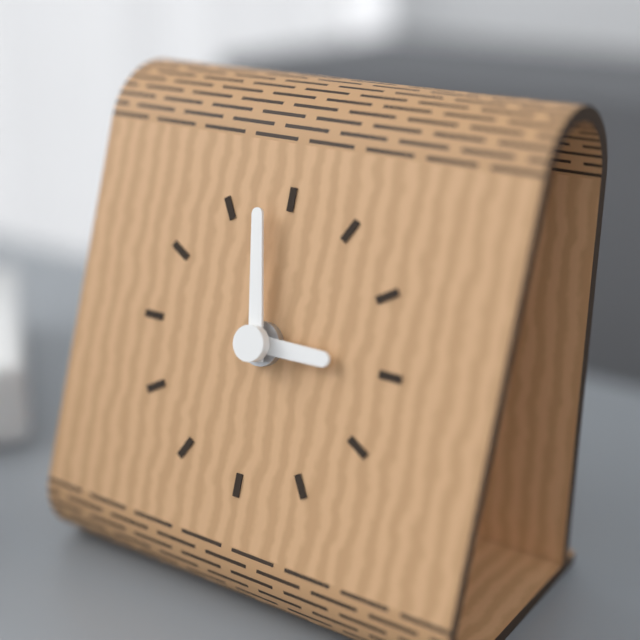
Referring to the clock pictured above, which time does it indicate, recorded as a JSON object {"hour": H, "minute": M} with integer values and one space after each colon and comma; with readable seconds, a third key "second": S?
{"hour": 2, "minute": 58}
